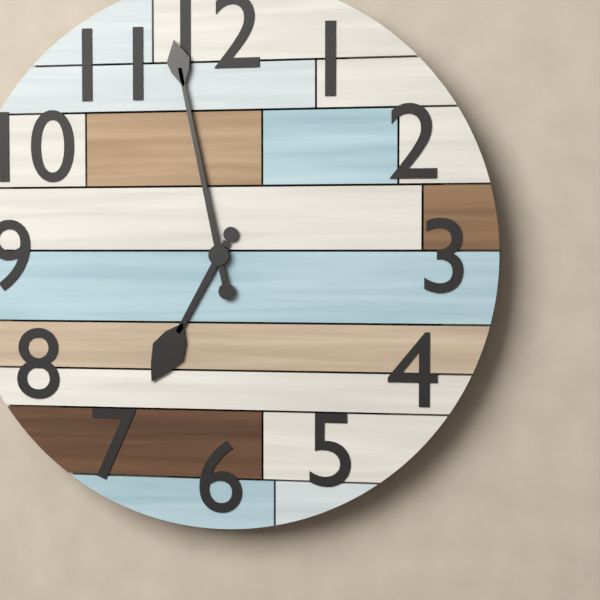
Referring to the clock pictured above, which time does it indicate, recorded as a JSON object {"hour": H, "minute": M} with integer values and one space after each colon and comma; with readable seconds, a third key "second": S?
{"hour": 6, "minute": 58}
